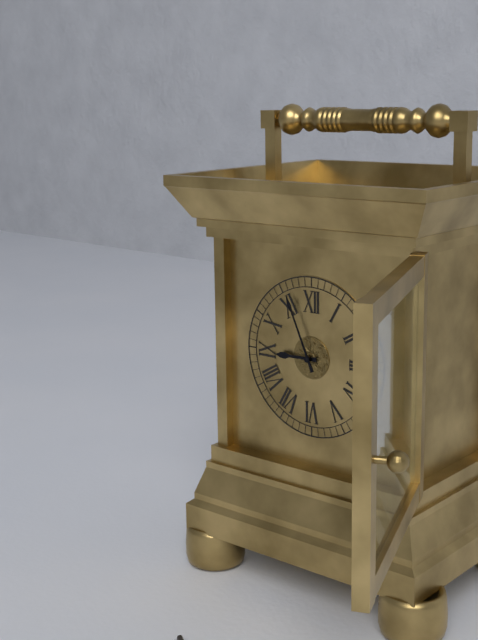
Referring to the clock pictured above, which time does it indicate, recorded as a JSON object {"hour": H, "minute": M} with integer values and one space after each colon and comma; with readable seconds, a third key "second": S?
{"hour": 8, "minute": 56}
